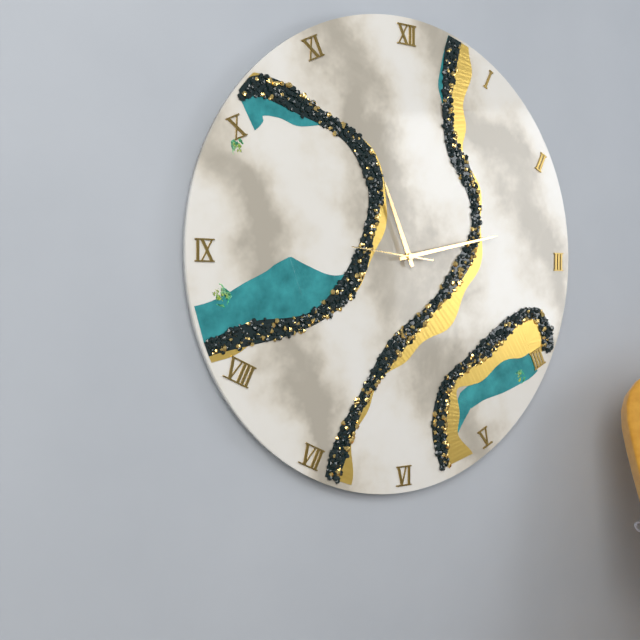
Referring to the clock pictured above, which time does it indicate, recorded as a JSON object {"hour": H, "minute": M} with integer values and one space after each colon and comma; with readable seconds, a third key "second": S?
{"hour": 11, "minute": 13, "second": 46}
